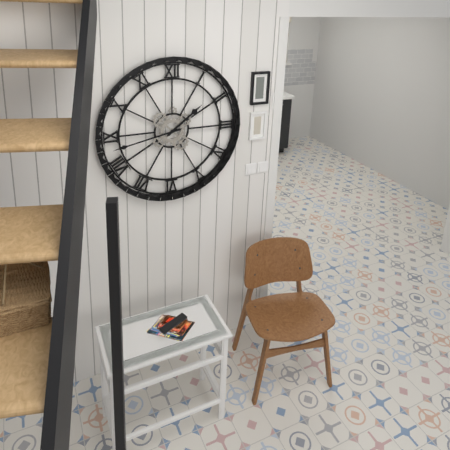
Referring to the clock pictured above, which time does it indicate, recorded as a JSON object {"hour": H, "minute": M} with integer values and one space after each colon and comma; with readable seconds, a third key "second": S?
{"hour": 1, "minute": 43}
